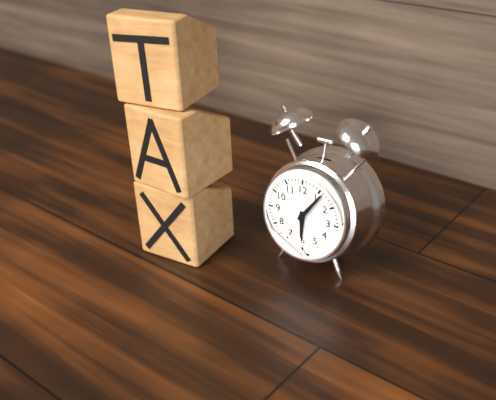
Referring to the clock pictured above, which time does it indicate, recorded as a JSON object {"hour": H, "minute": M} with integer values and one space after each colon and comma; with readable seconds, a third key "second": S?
{"hour": 6, "minute": 6}
